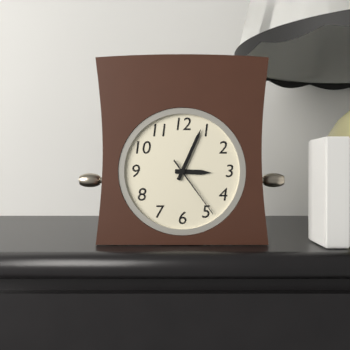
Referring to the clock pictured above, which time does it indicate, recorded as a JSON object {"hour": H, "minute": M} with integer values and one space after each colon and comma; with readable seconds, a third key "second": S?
{"hour": 3, "minute": 4, "second": 24}
